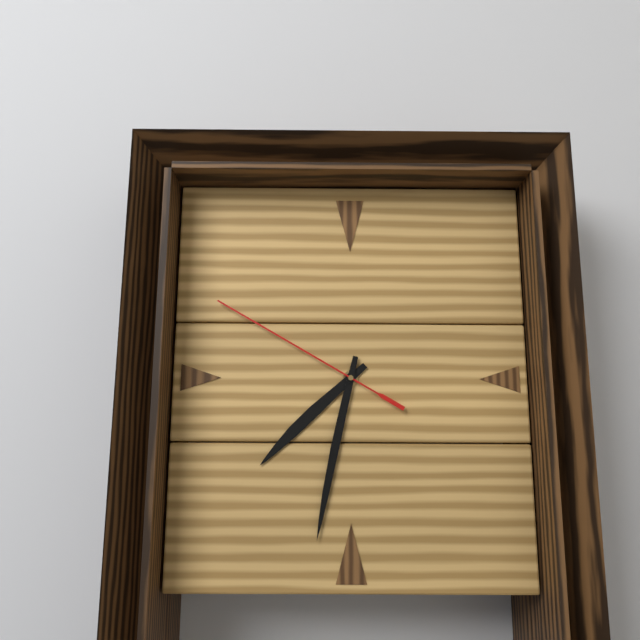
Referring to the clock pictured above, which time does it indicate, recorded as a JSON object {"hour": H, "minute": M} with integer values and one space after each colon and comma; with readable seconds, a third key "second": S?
{"hour": 7, "minute": 32, "second": 50}
